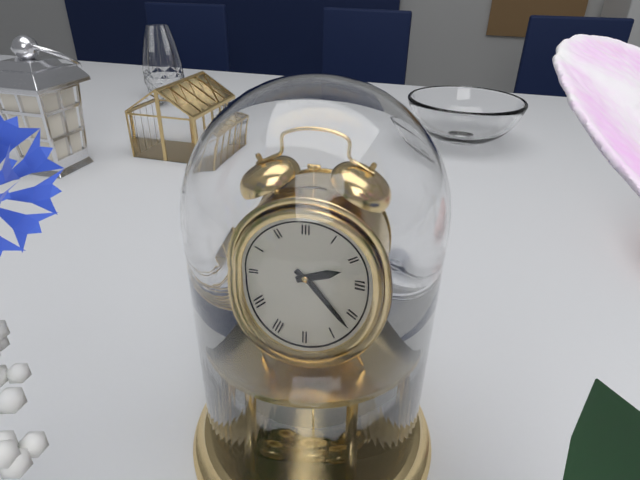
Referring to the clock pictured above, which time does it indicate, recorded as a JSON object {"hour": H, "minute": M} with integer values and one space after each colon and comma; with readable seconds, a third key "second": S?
{"hour": 2, "minute": 22}
